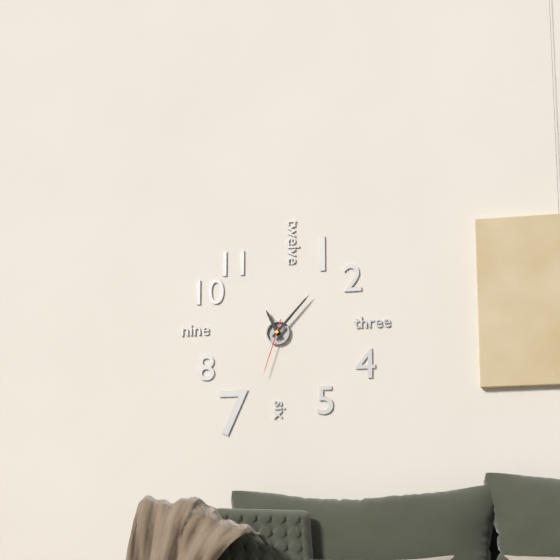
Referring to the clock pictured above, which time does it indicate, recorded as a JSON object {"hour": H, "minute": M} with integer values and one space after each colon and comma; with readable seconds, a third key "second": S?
{"hour": 11, "minute": 7, "second": 33}
